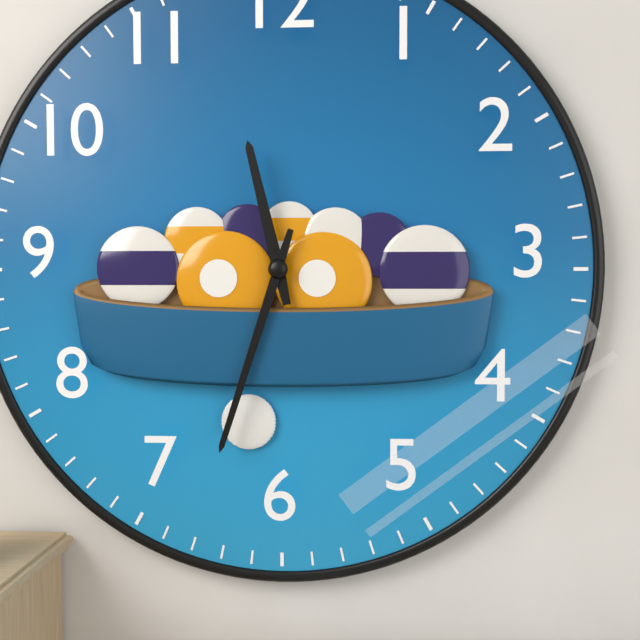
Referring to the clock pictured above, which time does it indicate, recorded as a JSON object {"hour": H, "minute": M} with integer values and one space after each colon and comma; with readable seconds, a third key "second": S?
{"hour": 11, "minute": 33}
